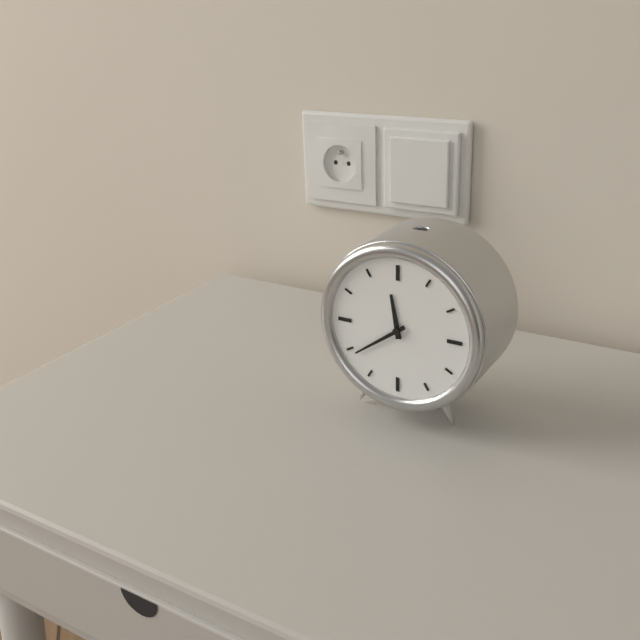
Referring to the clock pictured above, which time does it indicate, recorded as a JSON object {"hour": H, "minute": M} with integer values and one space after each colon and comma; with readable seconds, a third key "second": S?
{"hour": 11, "minute": 39}
